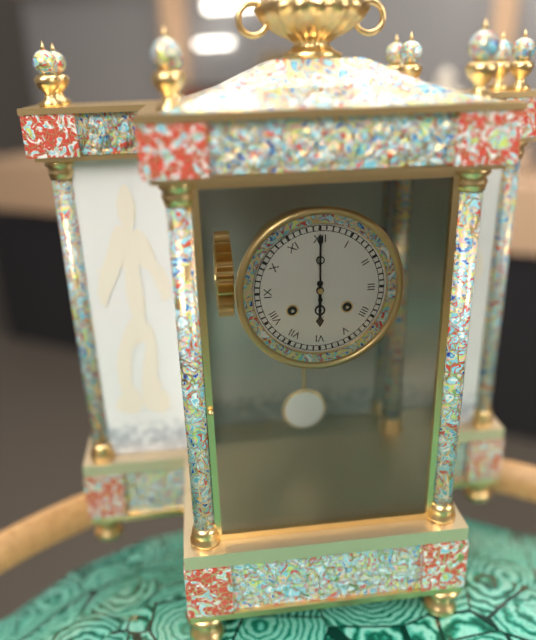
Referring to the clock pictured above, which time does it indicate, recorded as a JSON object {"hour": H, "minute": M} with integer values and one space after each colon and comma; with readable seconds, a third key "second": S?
{"hour": 6, "minute": 0}
